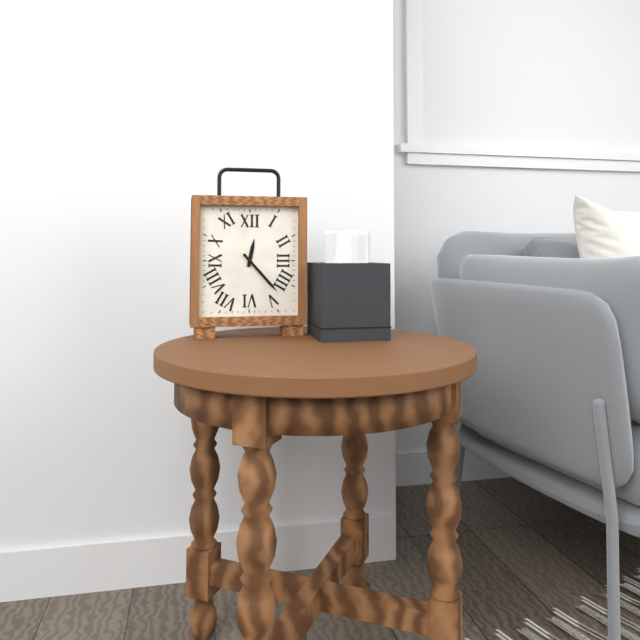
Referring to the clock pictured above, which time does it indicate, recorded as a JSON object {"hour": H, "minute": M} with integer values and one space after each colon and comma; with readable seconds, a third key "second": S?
{"hour": 12, "minute": 23}
